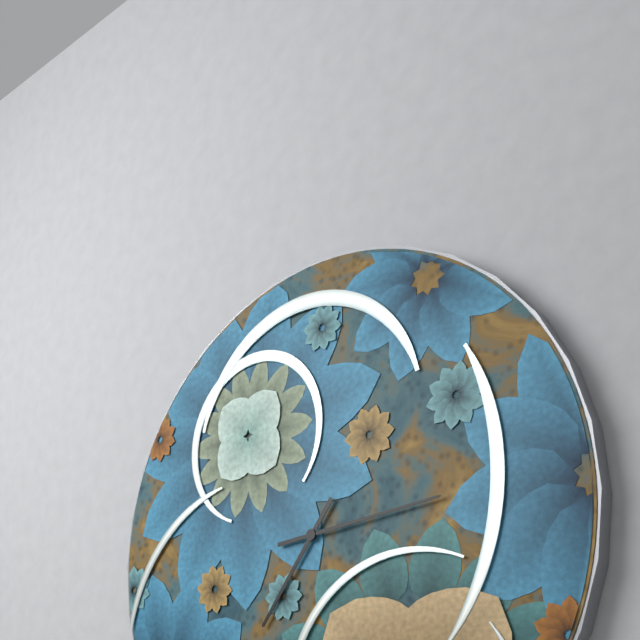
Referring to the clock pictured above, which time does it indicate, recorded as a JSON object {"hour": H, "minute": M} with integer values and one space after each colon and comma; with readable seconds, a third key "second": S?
{"hour": 7, "minute": 14}
